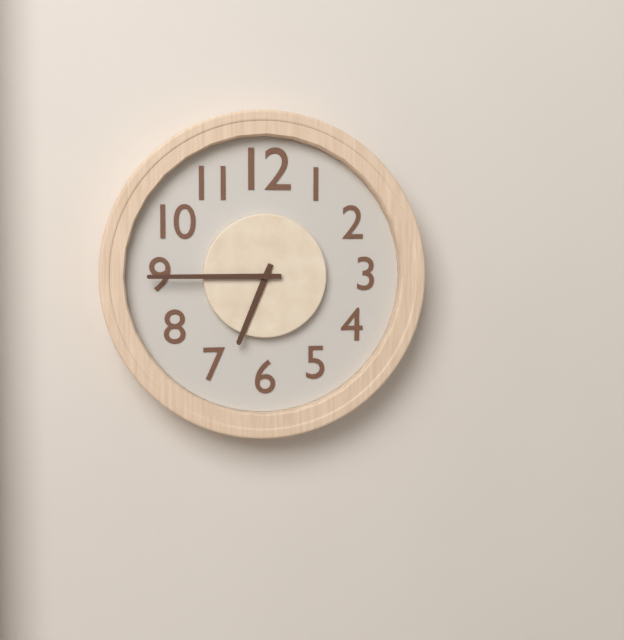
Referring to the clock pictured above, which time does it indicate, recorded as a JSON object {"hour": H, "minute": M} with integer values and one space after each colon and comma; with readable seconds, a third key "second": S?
{"hour": 6, "minute": 45}
